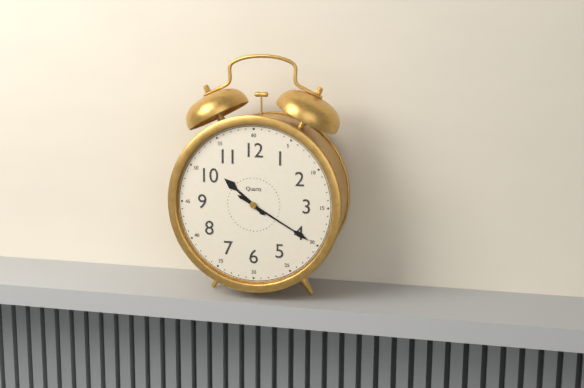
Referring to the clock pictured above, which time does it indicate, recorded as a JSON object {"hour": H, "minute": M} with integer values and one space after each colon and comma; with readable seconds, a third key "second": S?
{"hour": 10, "minute": 20}
